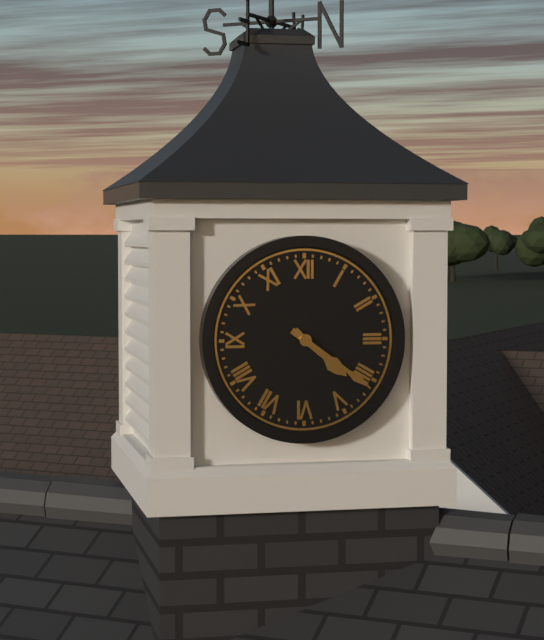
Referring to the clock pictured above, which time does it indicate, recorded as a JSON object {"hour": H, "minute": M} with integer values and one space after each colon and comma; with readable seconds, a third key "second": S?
{"hour": 4, "minute": 21}
